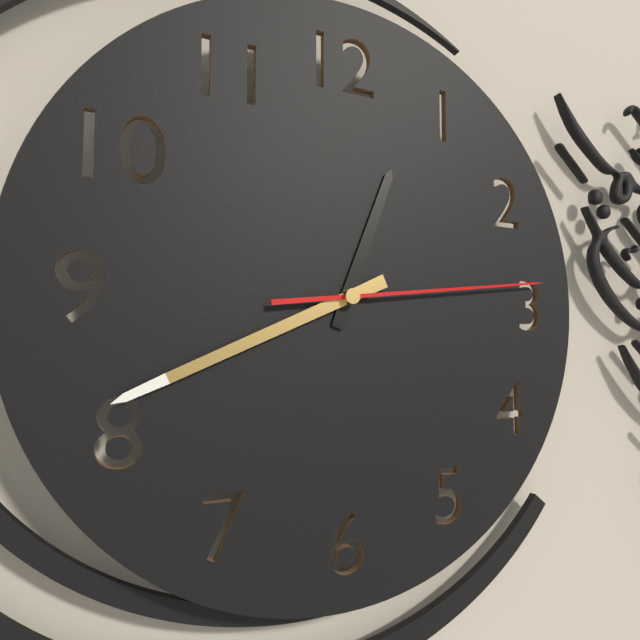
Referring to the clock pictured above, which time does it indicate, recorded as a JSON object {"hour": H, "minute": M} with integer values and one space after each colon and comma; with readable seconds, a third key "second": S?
{"hour": 12, "minute": 41, "second": 14}
